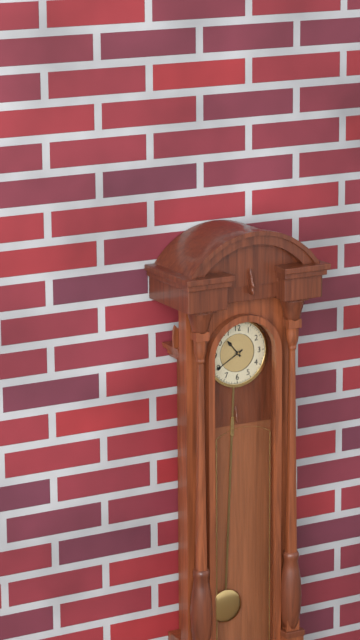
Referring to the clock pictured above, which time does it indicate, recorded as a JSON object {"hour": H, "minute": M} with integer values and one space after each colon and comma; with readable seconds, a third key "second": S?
{"hour": 10, "minute": 40}
